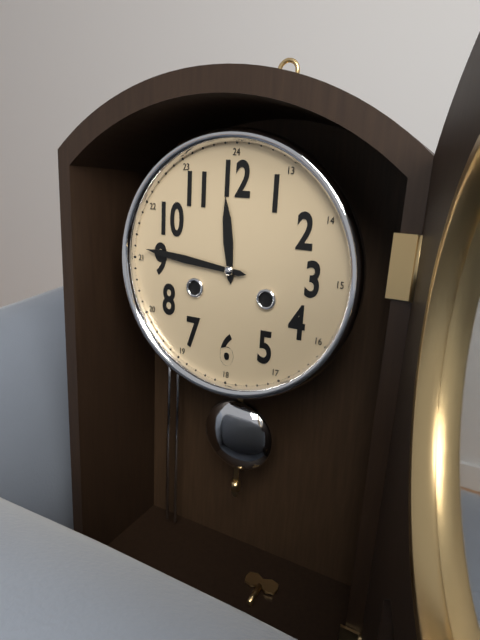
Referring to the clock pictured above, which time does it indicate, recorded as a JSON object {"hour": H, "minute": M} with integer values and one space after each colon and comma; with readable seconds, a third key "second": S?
{"hour": 11, "minute": 46}
